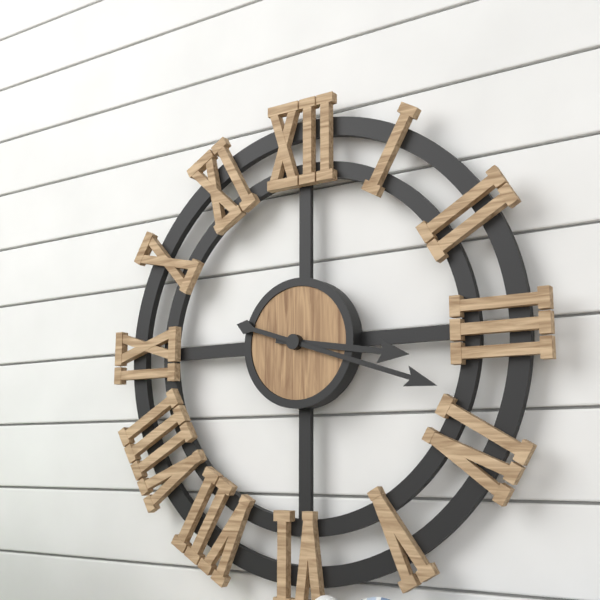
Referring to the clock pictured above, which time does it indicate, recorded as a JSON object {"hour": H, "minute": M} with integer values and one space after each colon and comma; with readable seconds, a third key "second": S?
{"hour": 3, "minute": 18}
